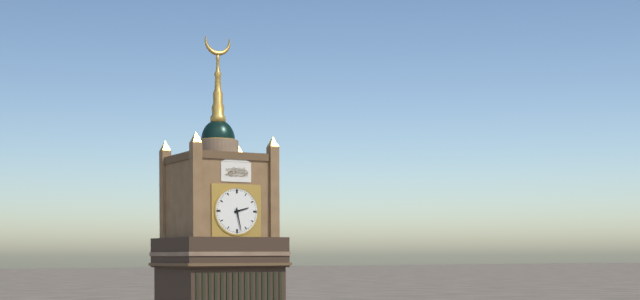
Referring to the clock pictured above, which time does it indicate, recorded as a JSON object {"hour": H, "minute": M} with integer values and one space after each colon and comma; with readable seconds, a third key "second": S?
{"hour": 2, "minute": 28}
